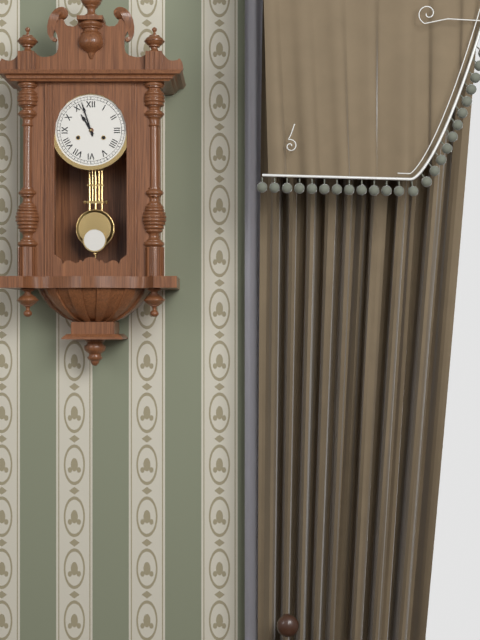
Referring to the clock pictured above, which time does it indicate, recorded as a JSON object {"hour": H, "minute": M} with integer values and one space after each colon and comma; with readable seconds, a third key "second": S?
{"hour": 10, "minute": 57}
